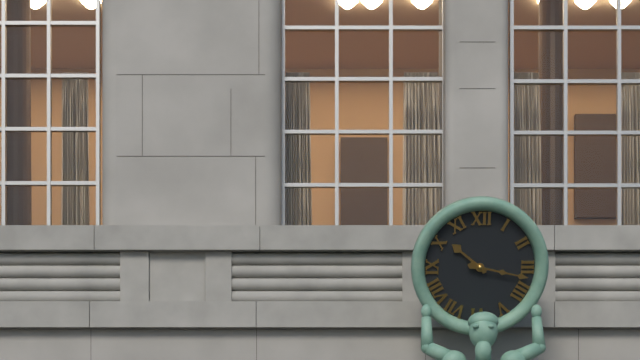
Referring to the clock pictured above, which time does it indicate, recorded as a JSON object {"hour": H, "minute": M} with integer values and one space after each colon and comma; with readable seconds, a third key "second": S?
{"hour": 10, "minute": 17}
